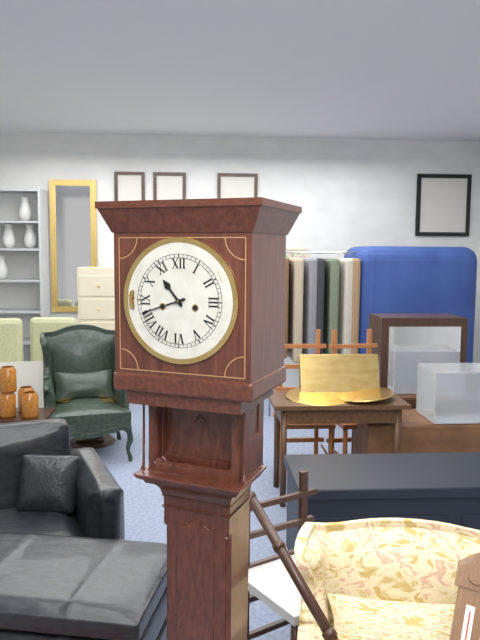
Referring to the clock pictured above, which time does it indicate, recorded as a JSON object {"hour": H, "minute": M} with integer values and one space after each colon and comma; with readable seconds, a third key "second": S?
{"hour": 10, "minute": 42}
